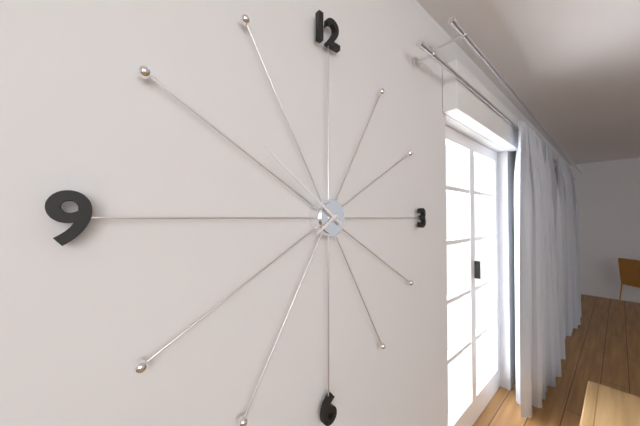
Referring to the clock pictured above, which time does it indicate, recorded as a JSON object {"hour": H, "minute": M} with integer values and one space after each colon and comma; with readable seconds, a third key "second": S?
{"hour": 7, "minute": 51}
